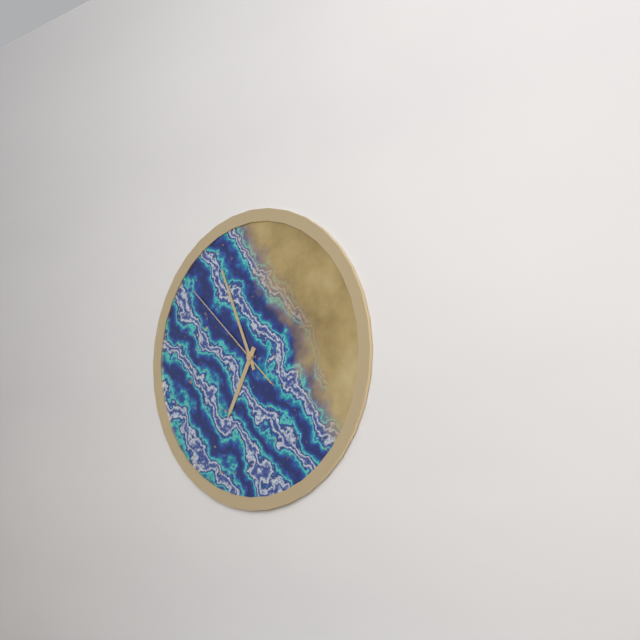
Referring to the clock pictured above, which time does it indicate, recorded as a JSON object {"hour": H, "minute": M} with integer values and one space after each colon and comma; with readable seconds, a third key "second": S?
{"hour": 6, "minute": 56, "second": 52}
